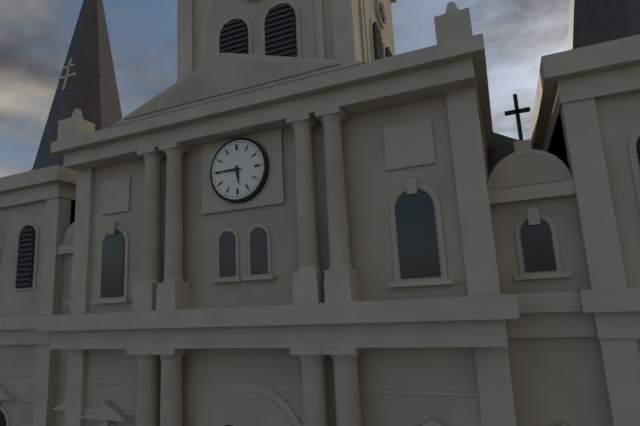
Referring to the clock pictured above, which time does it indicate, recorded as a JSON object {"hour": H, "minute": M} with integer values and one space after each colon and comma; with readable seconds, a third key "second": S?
{"hour": 5, "minute": 45}
